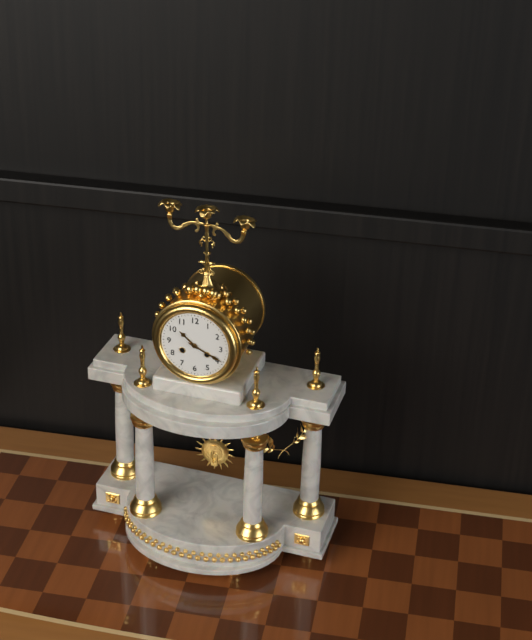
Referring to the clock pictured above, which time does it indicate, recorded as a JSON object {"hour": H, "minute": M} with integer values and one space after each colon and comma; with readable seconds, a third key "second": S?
{"hour": 10, "minute": 19}
